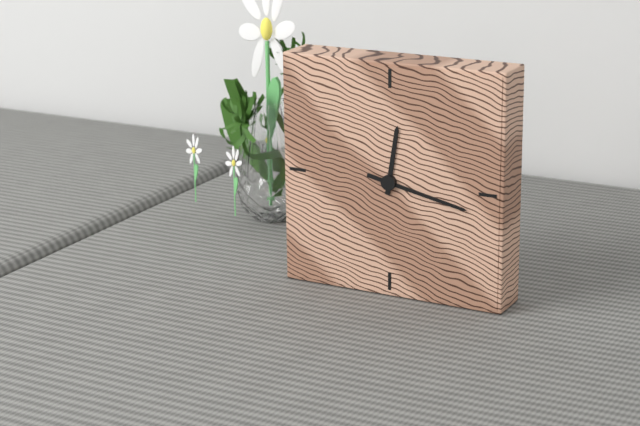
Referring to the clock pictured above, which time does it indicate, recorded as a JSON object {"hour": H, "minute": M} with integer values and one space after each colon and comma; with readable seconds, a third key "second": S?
{"hour": 12, "minute": 17}
